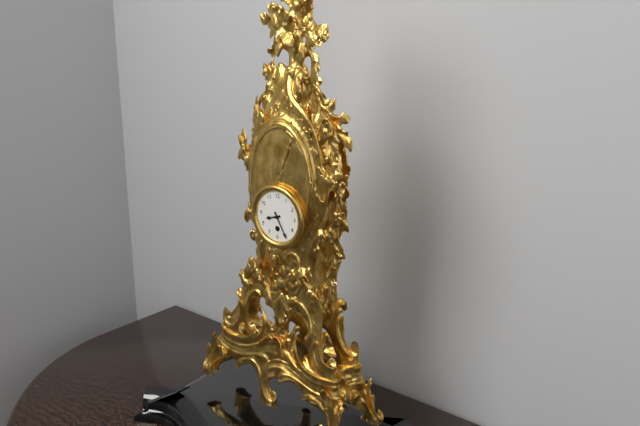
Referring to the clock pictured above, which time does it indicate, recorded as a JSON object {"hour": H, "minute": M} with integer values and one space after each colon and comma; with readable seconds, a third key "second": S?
{"hour": 8, "minute": 25}
